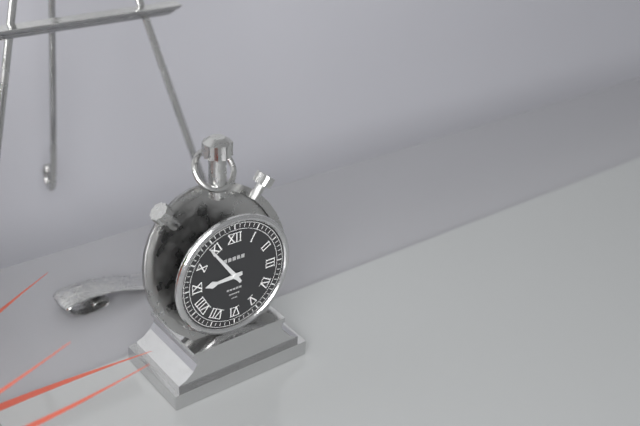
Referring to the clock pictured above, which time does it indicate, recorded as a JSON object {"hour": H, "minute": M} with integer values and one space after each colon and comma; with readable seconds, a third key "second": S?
{"hour": 8, "minute": 54}
